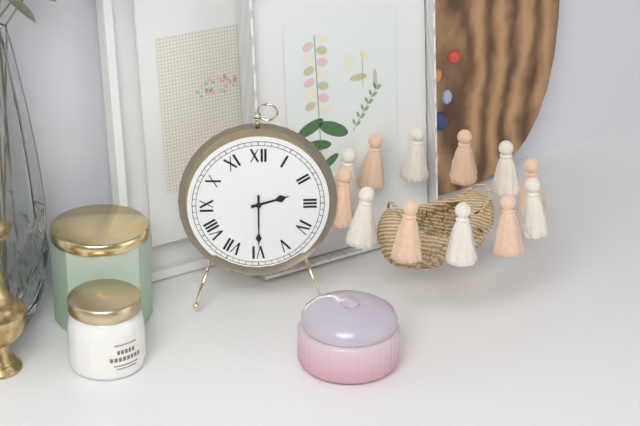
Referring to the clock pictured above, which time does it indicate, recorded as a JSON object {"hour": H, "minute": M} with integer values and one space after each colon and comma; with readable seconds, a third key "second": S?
{"hour": 2, "minute": 30}
